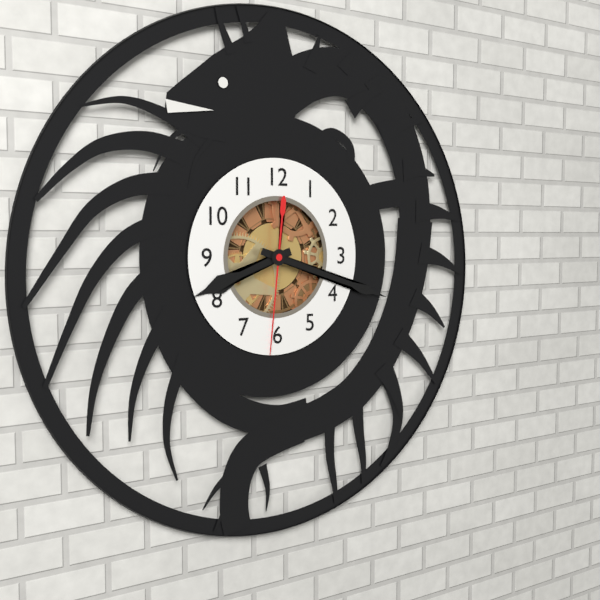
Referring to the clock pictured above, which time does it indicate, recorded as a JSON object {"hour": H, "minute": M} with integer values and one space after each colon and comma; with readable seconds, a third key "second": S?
{"hour": 8, "minute": 18, "second": 31}
